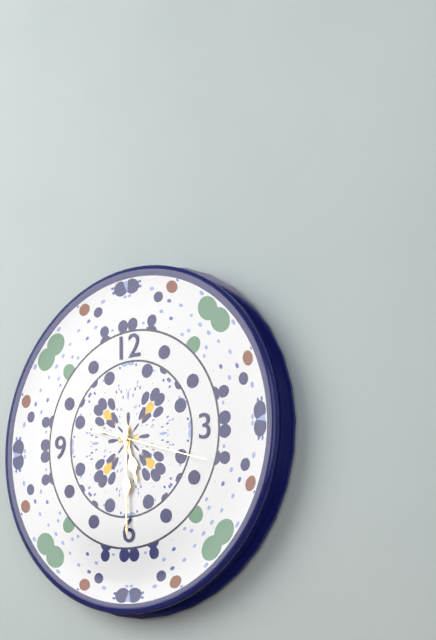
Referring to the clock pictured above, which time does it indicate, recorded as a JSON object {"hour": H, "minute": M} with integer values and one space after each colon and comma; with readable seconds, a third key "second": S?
{"hour": 5, "minute": 30, "second": 18}
